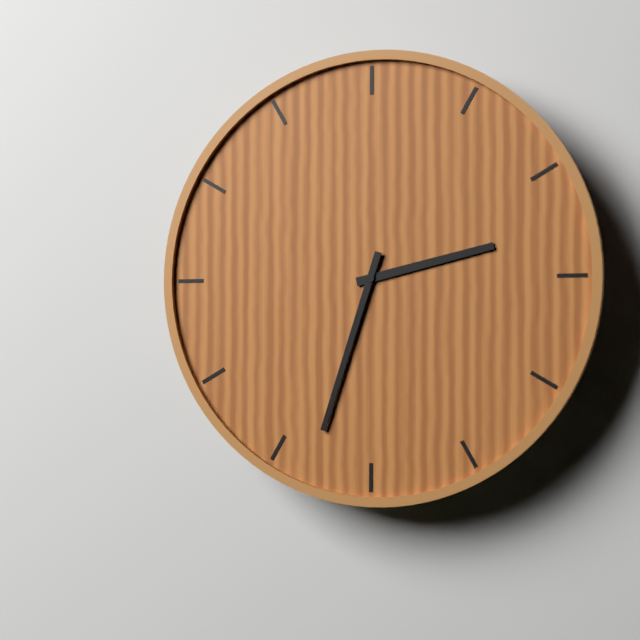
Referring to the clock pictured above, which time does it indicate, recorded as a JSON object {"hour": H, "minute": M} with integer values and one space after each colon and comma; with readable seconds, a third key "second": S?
{"hour": 2, "minute": 33}
